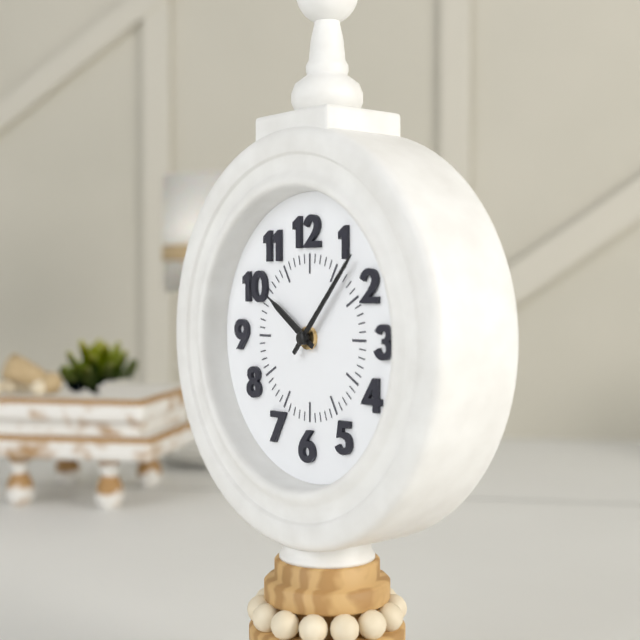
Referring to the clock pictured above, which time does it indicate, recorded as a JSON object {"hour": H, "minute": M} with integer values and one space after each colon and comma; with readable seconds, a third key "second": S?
{"hour": 10, "minute": 7}
